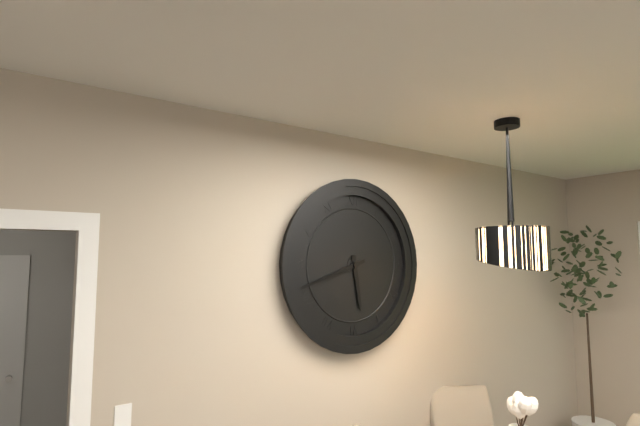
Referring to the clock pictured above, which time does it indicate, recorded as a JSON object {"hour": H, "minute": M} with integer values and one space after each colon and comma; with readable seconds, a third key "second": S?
{"hour": 5, "minute": 42}
